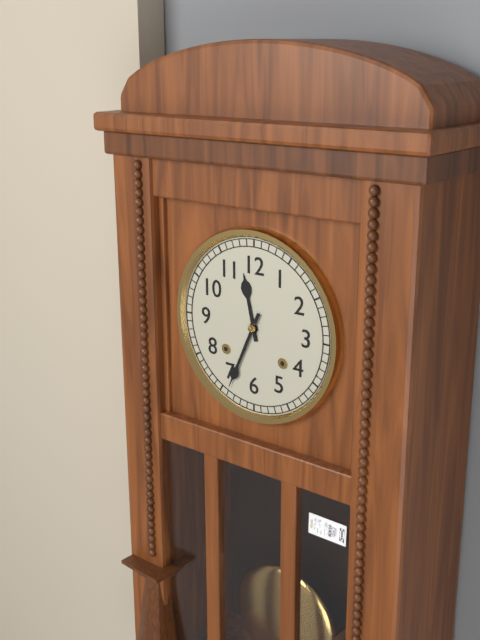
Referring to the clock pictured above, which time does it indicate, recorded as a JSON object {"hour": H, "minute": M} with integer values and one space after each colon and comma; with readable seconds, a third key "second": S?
{"hour": 11, "minute": 34}
